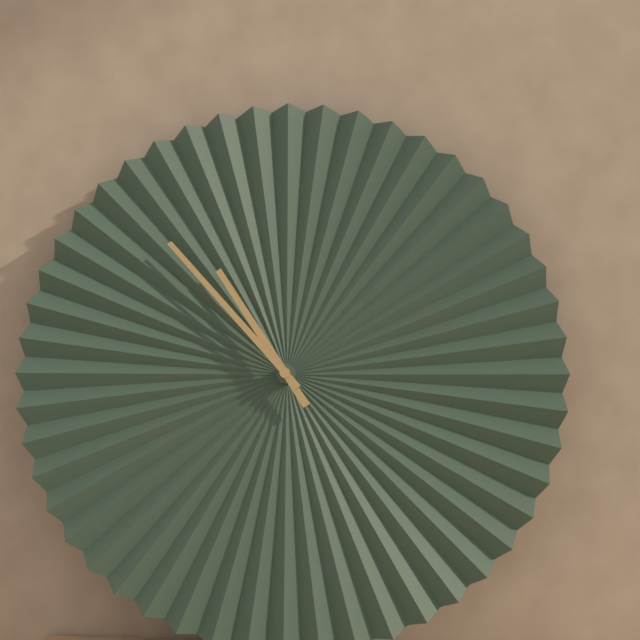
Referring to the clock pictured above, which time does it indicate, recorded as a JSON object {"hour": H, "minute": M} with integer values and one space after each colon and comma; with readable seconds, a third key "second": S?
{"hour": 10, "minute": 53}
